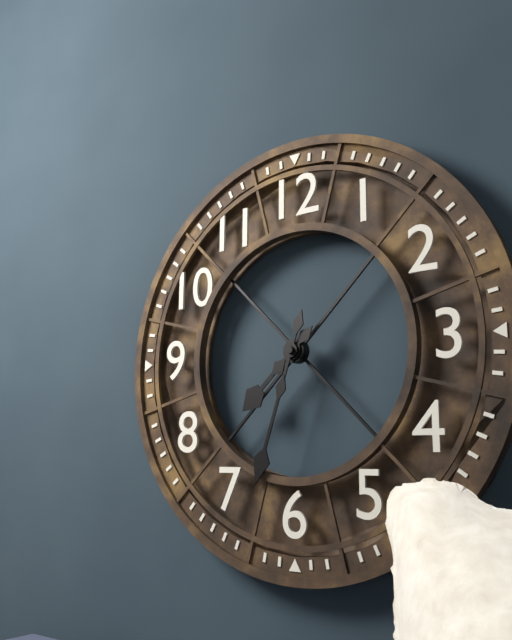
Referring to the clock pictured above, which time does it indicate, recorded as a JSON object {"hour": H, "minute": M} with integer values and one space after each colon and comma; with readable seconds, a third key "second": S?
{"hour": 7, "minute": 33}
